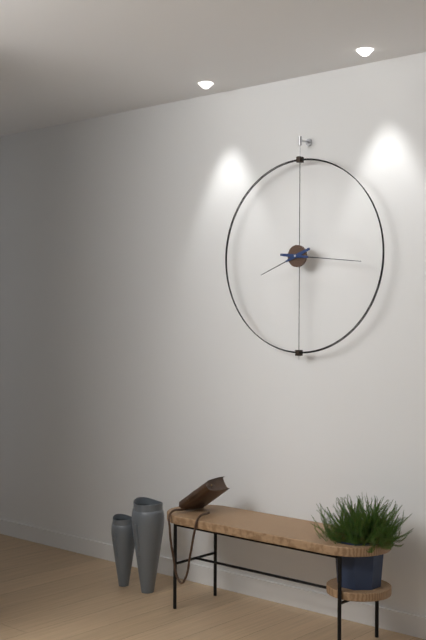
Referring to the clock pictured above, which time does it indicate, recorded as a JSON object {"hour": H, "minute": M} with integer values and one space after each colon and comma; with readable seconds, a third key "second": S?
{"hour": 8, "minute": 16}
